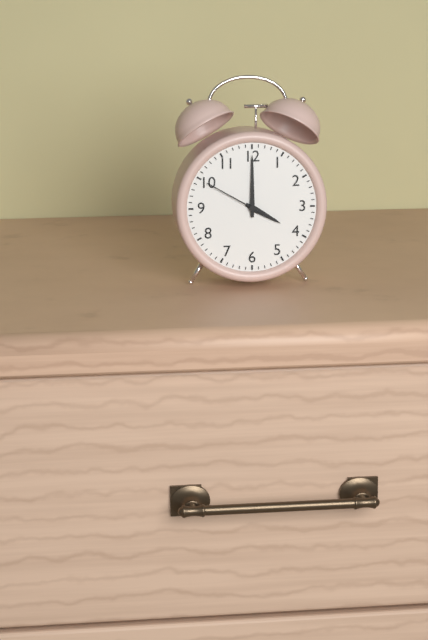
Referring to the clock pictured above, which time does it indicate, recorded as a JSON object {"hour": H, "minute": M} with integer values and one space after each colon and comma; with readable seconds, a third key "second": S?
{"hour": 4, "minute": 0, "second": 50}
